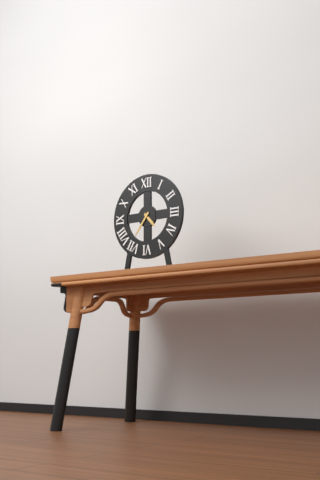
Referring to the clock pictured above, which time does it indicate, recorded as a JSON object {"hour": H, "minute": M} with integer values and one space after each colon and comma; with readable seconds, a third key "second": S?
{"hour": 4, "minute": 36}
